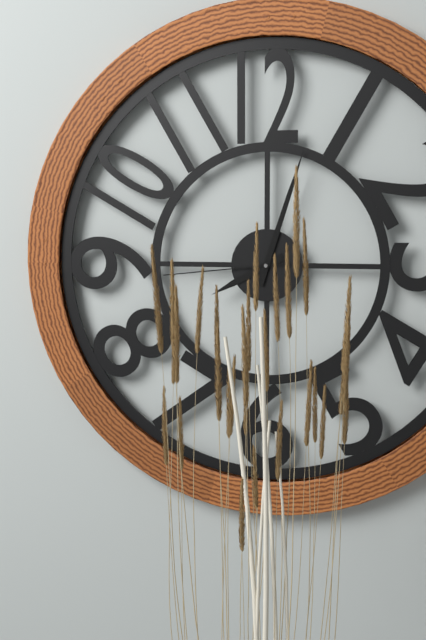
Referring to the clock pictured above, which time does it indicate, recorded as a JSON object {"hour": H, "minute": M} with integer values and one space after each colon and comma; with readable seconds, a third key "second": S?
{"hour": 8, "minute": 3, "second": 44}
